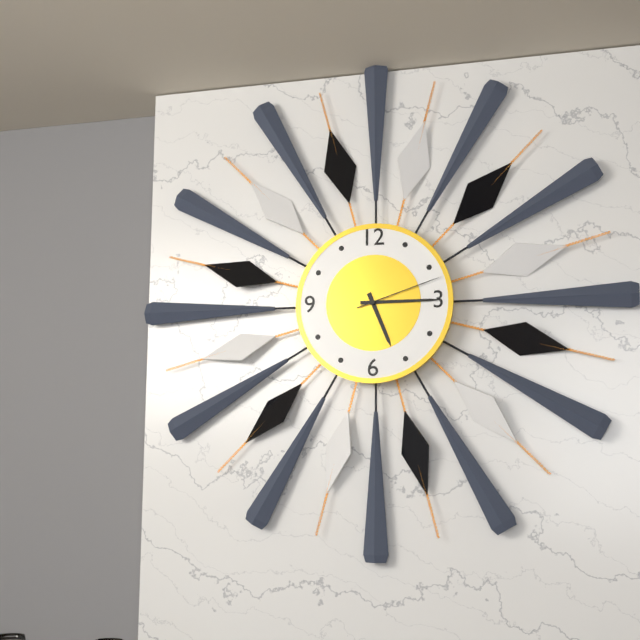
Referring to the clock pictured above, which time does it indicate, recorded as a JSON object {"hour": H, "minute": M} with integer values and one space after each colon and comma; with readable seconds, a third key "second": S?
{"hour": 5, "minute": 15, "second": 12}
